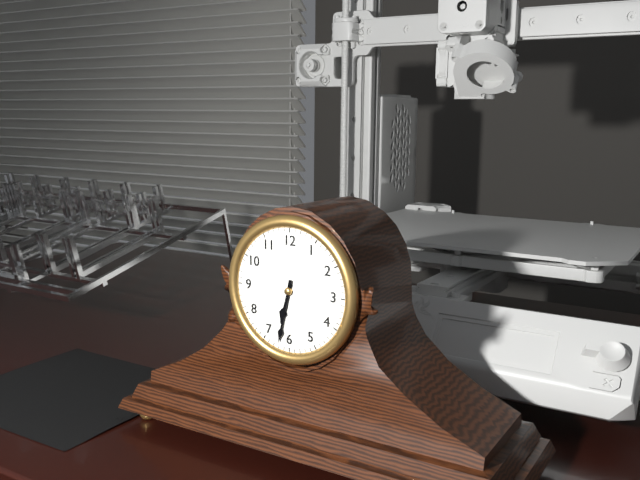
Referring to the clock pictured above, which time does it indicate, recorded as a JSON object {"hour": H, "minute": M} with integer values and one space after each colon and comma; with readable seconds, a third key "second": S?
{"hour": 6, "minute": 32}
